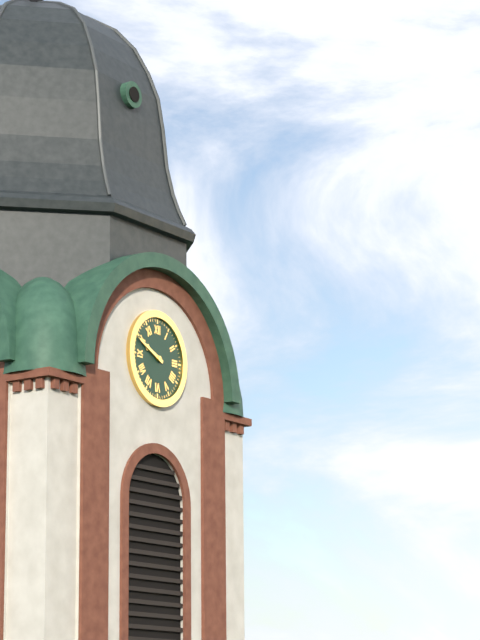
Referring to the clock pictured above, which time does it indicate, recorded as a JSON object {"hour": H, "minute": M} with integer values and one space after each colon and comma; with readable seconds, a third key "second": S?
{"hour": 9, "minute": 49}
